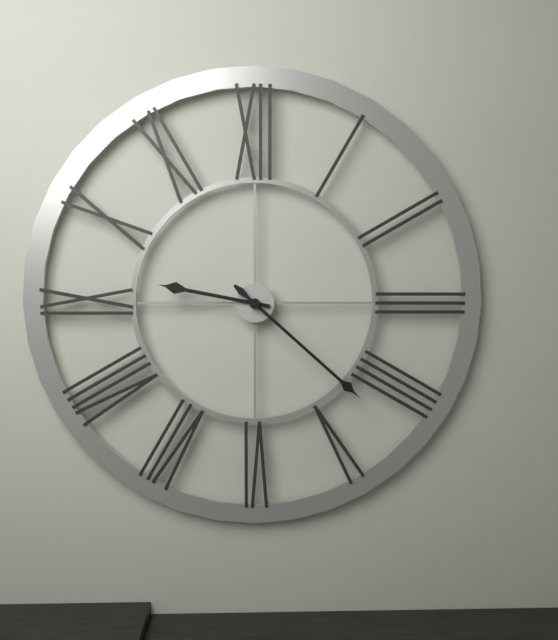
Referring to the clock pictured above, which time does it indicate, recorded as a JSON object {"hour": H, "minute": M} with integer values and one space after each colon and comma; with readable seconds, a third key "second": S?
{"hour": 9, "minute": 22}
